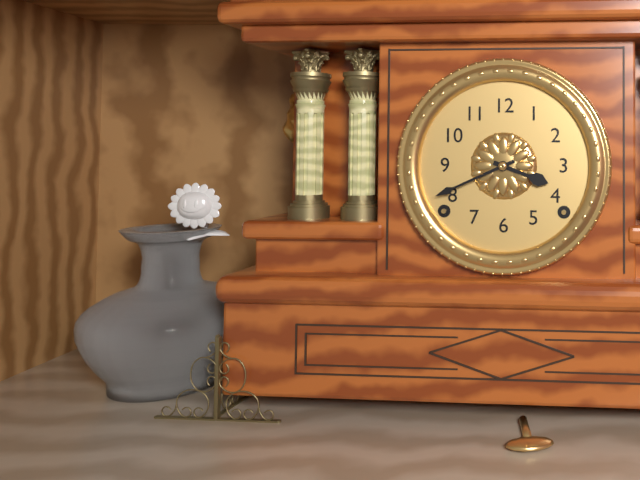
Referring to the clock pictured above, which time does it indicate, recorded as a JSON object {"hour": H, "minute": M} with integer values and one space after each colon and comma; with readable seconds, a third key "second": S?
{"hour": 3, "minute": 41}
